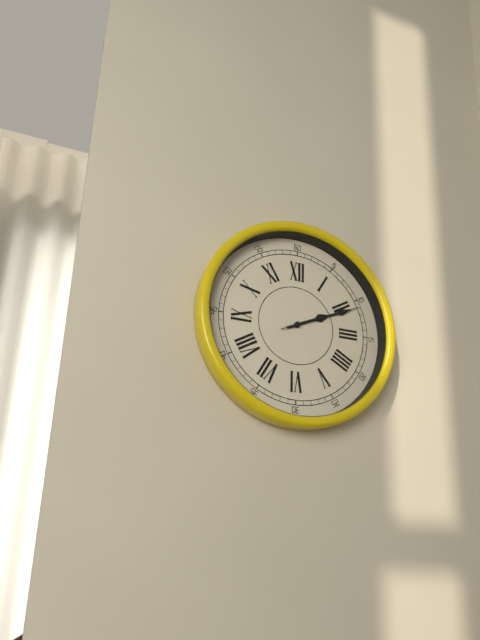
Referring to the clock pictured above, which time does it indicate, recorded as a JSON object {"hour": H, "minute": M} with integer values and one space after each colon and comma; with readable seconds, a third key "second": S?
{"hour": 2, "minute": 11, "second": 11}
